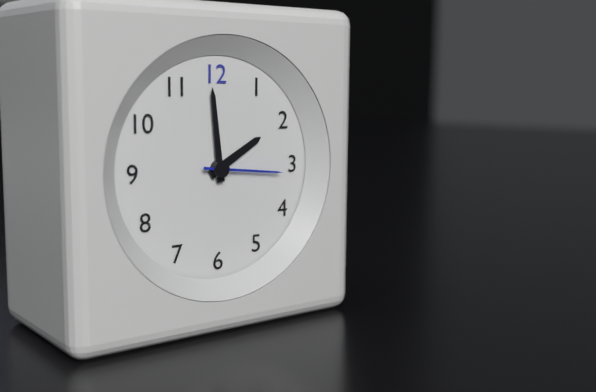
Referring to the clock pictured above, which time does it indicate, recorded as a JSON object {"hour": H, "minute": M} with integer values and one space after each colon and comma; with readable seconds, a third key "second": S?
{"hour": 1, "minute": 59, "second": 16}
